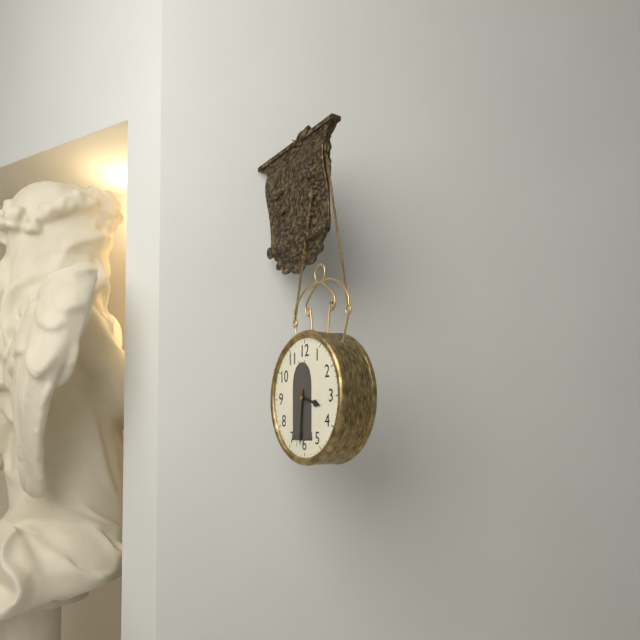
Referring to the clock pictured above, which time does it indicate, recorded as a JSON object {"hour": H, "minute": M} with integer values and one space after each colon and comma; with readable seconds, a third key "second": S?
{"hour": 3, "minute": 31, "second": 32}
